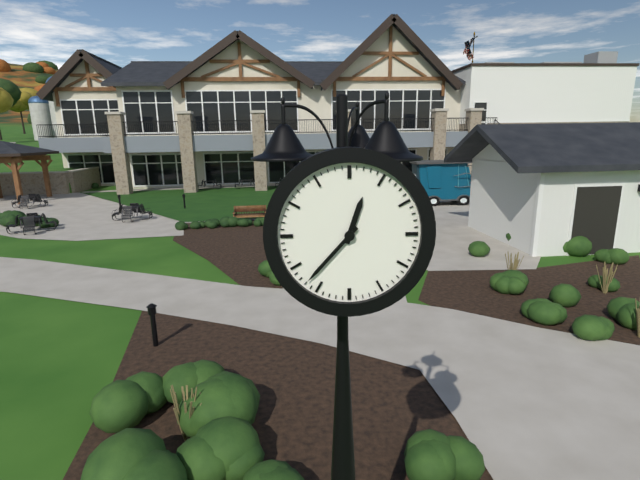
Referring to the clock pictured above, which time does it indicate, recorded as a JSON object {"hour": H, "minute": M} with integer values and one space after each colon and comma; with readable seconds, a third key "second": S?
{"hour": 12, "minute": 37}
